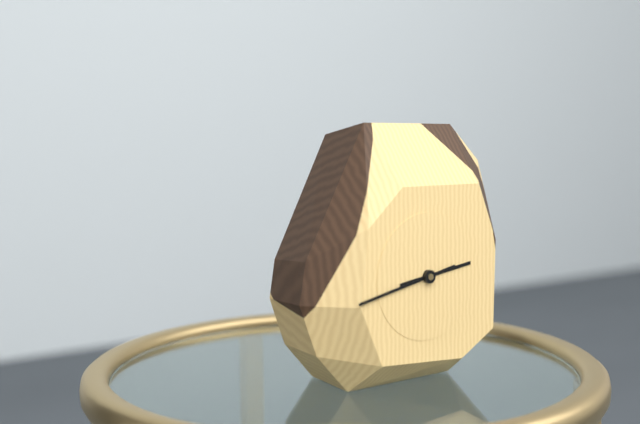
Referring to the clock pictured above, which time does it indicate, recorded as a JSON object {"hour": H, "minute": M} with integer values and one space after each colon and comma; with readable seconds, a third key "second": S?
{"hour": 2, "minute": 43}
